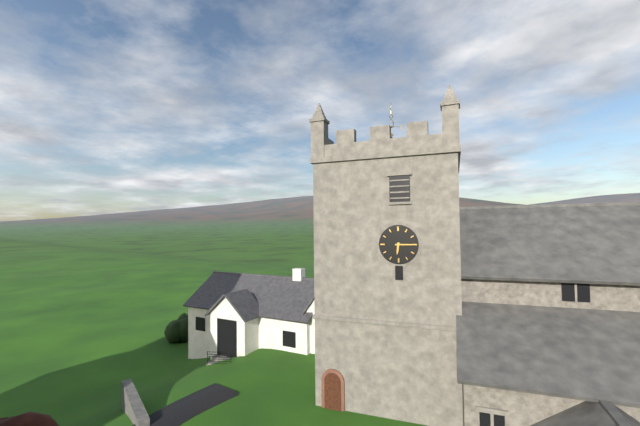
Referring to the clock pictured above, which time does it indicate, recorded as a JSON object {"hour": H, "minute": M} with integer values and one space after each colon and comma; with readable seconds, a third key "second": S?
{"hour": 6, "minute": 15}
